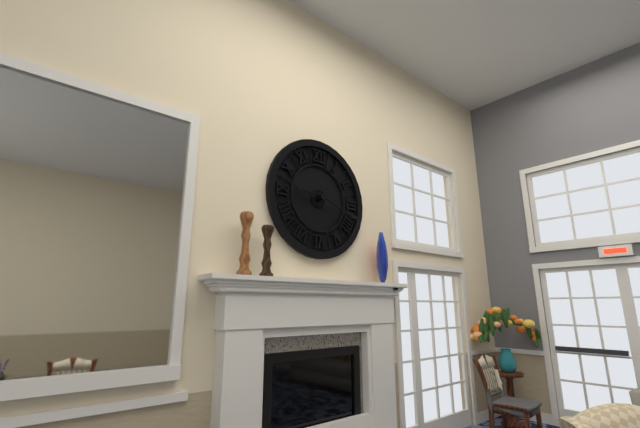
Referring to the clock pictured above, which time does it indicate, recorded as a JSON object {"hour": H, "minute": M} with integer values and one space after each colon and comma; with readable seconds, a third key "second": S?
{"hour": 9, "minute": 18}
